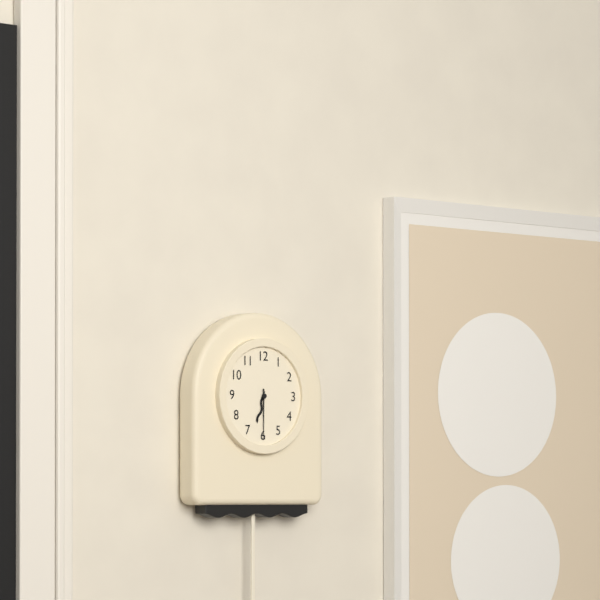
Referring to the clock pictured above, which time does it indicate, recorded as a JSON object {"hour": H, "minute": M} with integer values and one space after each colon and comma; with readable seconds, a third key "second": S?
{"hour": 6, "minute": 30}
